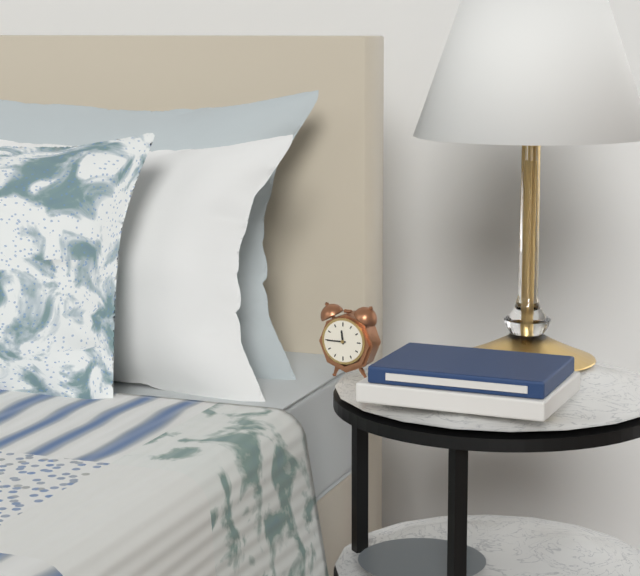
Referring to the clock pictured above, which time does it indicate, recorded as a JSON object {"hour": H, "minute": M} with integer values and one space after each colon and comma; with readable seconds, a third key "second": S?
{"hour": 11, "minute": 45}
